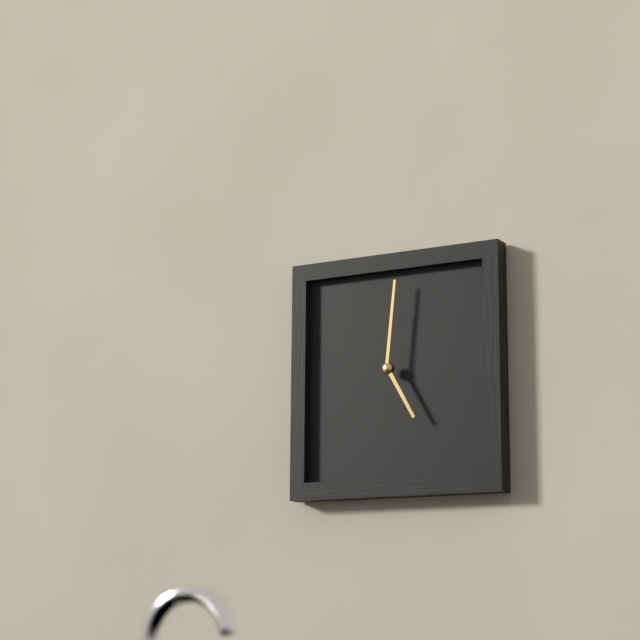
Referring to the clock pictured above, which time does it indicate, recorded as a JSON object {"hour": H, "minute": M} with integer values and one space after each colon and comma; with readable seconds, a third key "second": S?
{"hour": 5, "minute": 1}
